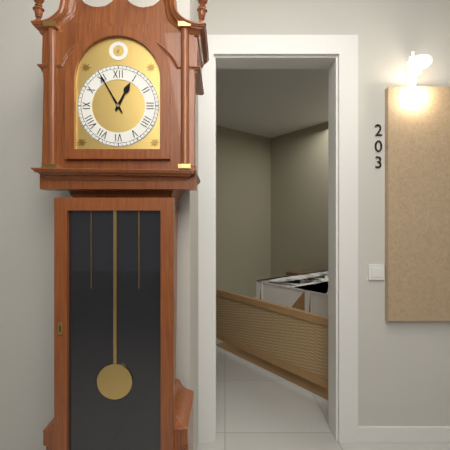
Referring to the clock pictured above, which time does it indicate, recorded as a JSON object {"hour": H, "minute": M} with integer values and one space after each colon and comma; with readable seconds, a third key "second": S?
{"hour": 12, "minute": 55}
